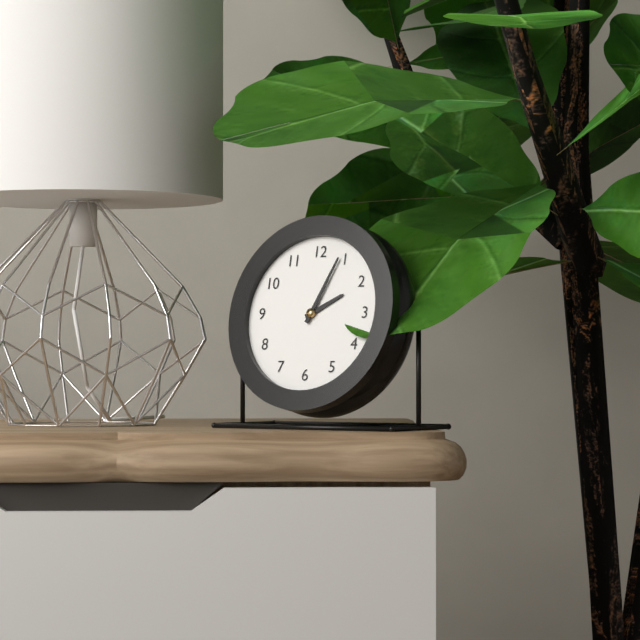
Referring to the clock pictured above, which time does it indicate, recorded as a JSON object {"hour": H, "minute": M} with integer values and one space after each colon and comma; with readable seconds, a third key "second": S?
{"hour": 2, "minute": 4}
